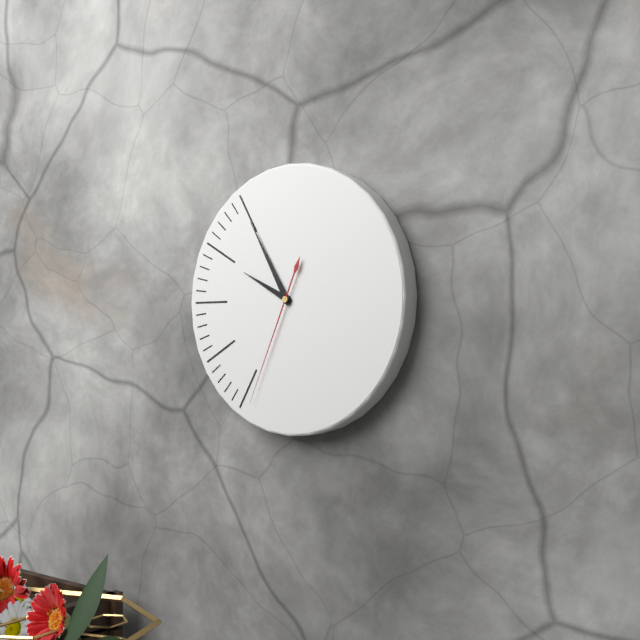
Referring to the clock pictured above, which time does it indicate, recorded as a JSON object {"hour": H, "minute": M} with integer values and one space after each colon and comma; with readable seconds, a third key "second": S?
{"hour": 9, "minute": 55, "second": 34}
